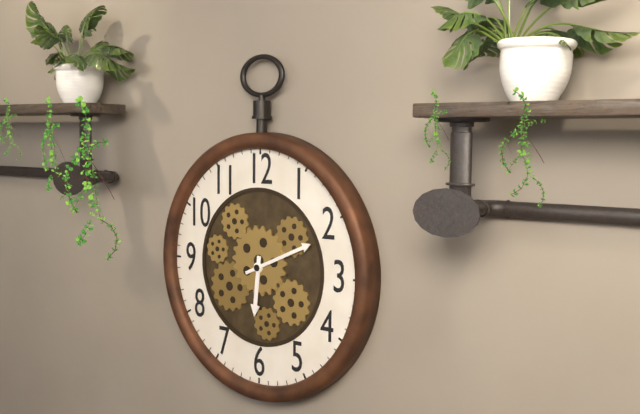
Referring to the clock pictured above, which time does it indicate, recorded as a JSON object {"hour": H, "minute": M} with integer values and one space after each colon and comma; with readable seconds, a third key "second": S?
{"hour": 6, "minute": 11}
